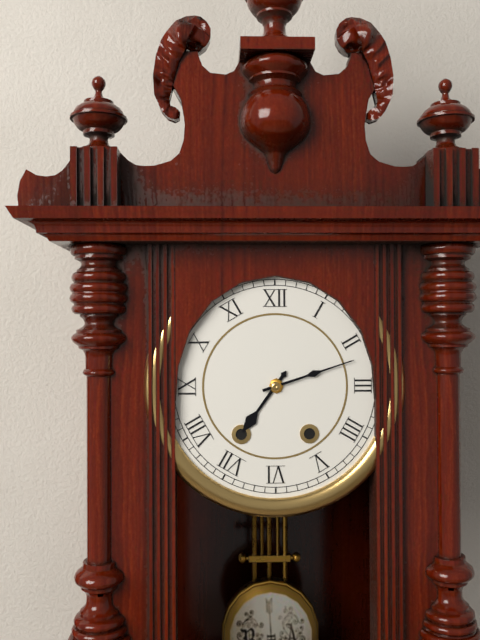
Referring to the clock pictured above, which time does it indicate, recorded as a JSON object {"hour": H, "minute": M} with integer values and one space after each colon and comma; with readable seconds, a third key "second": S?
{"hour": 7, "minute": 12}
